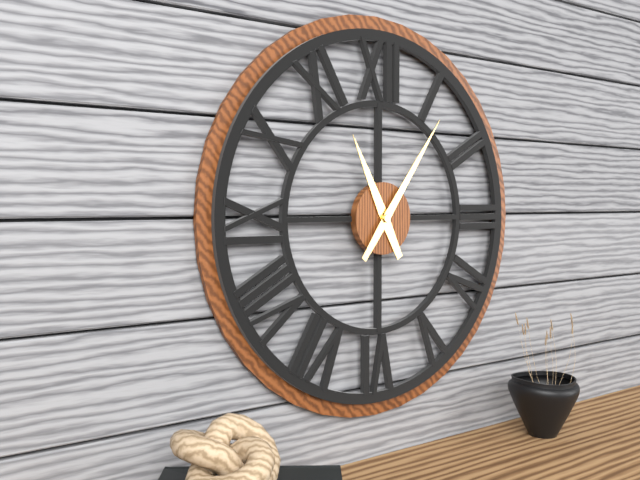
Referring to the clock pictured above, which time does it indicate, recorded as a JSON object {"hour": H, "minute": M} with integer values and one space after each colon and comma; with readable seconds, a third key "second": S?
{"hour": 11, "minute": 6}
